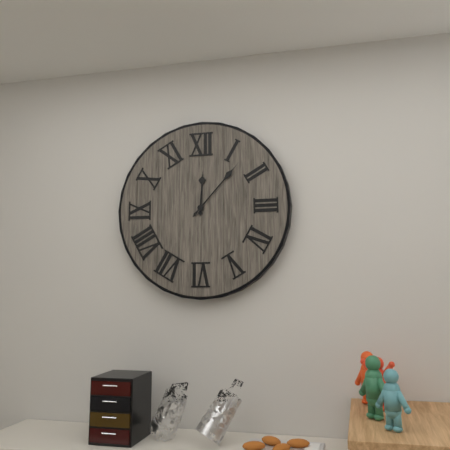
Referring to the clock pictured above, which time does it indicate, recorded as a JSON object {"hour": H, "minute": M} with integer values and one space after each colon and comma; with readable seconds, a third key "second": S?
{"hour": 12, "minute": 7}
